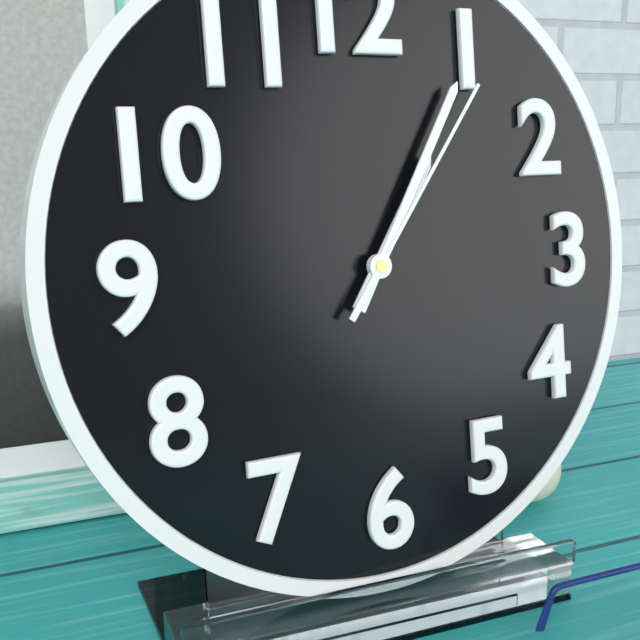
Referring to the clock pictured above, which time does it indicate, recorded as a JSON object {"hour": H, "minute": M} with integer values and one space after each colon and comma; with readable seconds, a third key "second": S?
{"hour": 1, "minute": 5, "second": 6}
